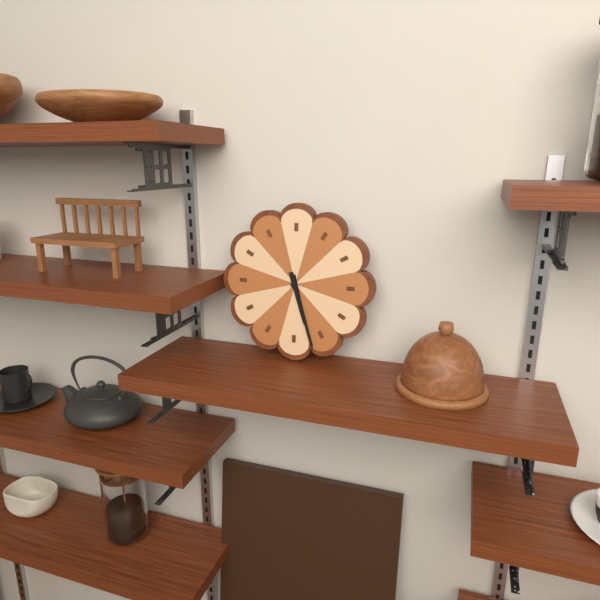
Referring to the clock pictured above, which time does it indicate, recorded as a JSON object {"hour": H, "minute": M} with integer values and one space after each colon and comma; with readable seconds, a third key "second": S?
{"hour": 5, "minute": 27}
